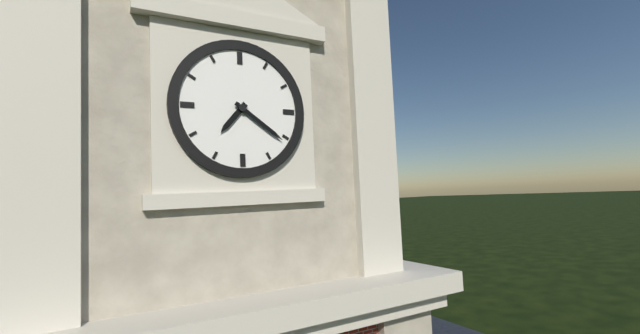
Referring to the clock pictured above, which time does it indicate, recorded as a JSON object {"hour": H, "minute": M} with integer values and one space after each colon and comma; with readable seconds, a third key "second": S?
{"hour": 7, "minute": 21}
